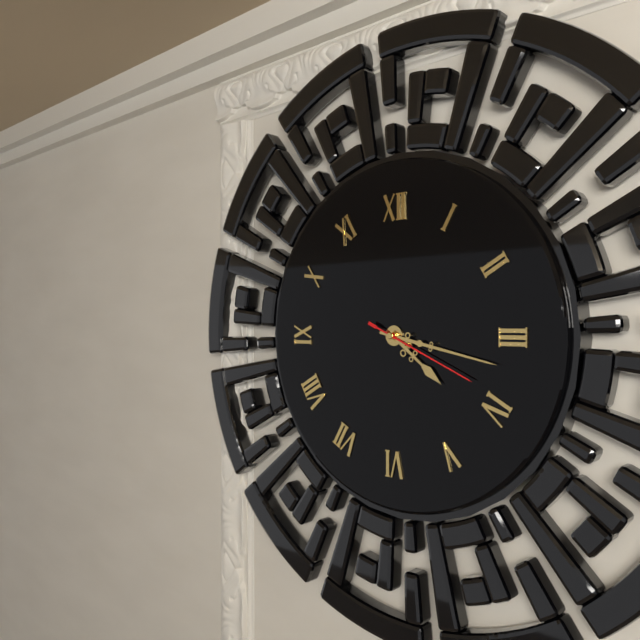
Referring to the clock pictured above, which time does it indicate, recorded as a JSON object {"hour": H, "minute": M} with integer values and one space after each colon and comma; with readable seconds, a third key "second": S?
{"hour": 4, "minute": 17, "second": 19}
